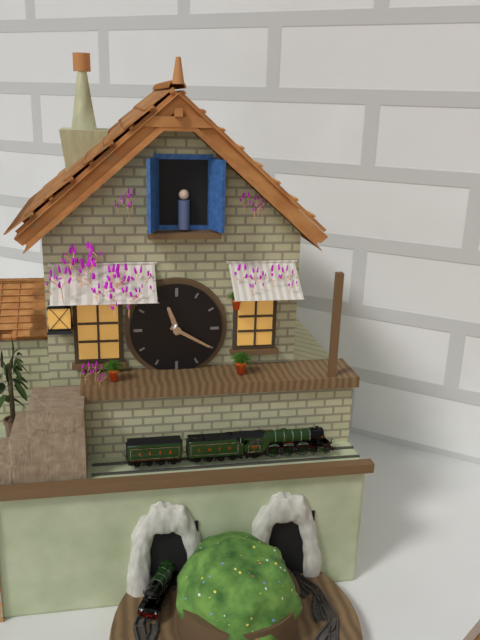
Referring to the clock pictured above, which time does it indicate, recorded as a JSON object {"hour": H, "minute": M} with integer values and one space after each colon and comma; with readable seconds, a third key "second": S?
{"hour": 11, "minute": 20}
